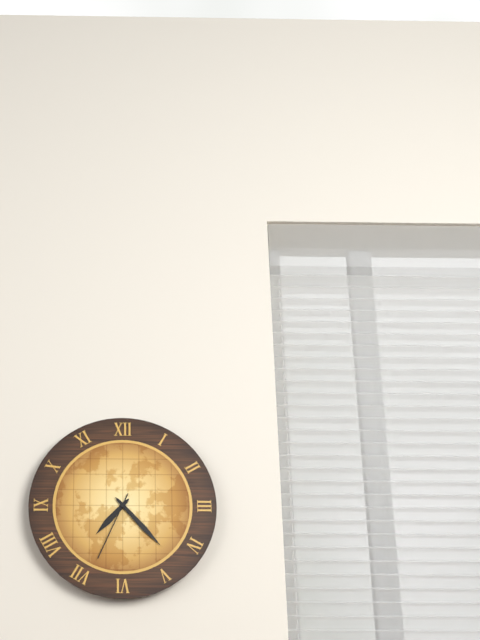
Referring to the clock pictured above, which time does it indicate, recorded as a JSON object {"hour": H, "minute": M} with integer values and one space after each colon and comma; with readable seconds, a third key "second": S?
{"hour": 7, "minute": 23, "second": 34}
